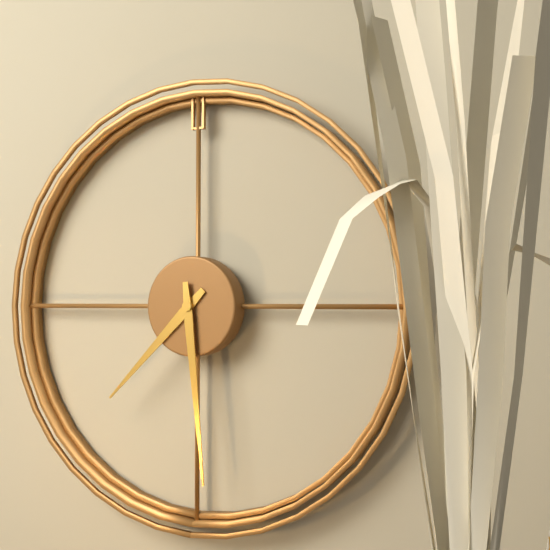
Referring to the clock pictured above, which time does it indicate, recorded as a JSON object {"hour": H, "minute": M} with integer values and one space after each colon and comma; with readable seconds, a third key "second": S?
{"hour": 7, "minute": 29}
